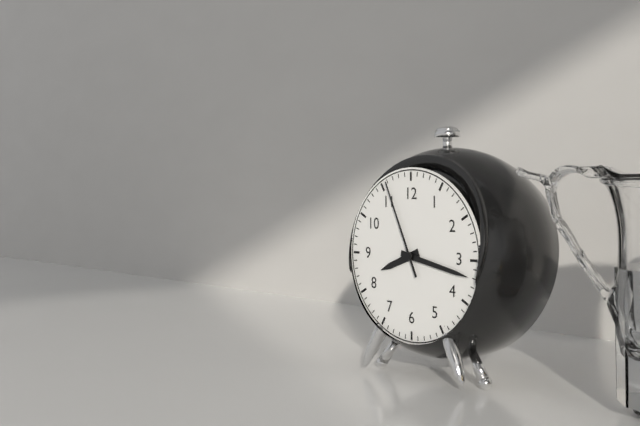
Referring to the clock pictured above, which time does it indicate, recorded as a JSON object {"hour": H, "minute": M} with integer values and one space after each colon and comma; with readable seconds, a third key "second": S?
{"hour": 8, "minute": 17, "second": 56}
